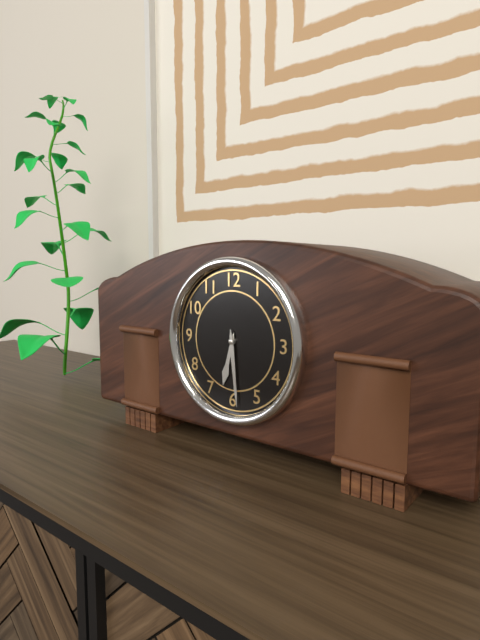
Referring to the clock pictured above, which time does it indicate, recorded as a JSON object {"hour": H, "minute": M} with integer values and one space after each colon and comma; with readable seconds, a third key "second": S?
{"hour": 6, "minute": 29}
